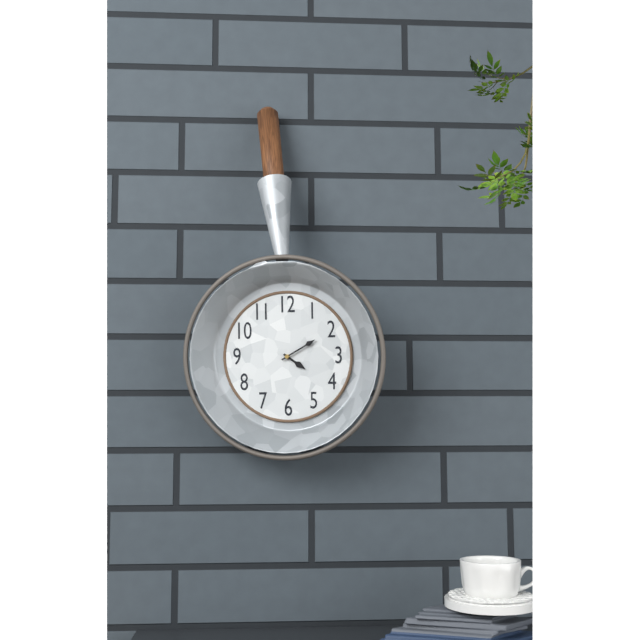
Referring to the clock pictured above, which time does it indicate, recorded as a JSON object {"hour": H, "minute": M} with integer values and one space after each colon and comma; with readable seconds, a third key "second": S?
{"hour": 4, "minute": 10}
